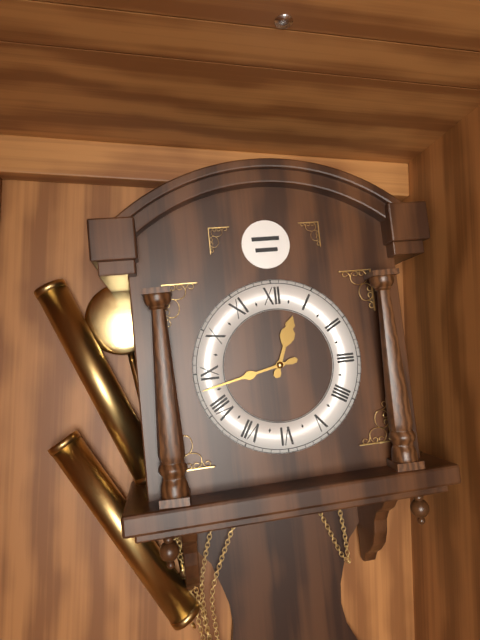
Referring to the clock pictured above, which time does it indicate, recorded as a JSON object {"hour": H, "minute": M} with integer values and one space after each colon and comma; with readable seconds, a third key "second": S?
{"hour": 12, "minute": 43}
